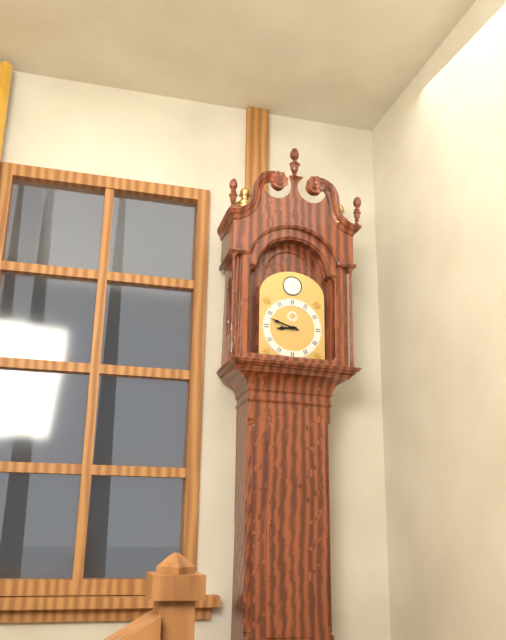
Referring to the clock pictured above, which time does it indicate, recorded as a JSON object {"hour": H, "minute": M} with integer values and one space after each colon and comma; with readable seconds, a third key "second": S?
{"hour": 8, "minute": 48}
